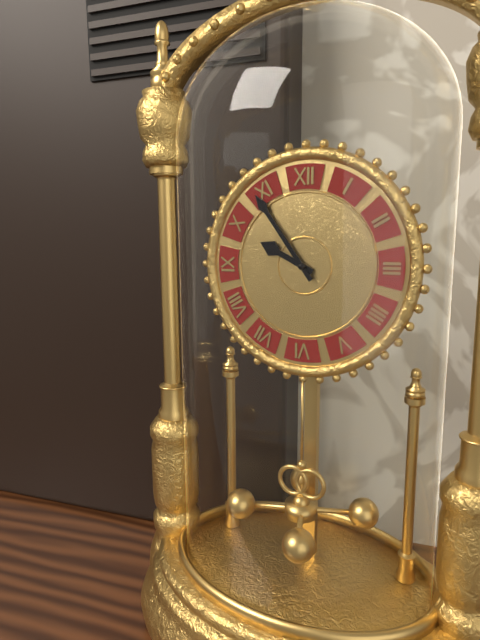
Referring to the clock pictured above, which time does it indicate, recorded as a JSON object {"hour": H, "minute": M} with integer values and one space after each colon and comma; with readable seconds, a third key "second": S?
{"hour": 9, "minute": 54}
